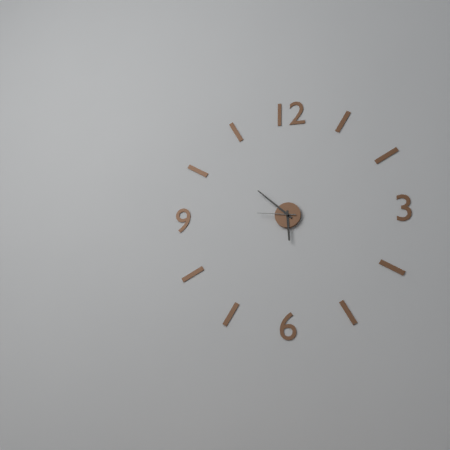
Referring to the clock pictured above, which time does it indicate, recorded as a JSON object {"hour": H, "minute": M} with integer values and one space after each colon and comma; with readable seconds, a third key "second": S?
{"hour": 5, "minute": 52}
